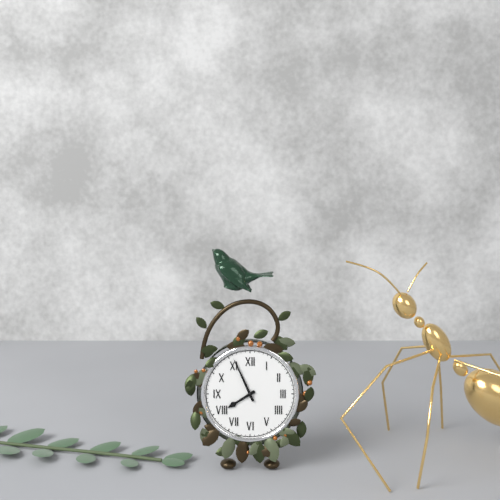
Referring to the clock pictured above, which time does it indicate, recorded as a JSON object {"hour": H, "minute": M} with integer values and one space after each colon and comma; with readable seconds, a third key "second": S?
{"hour": 7, "minute": 56}
